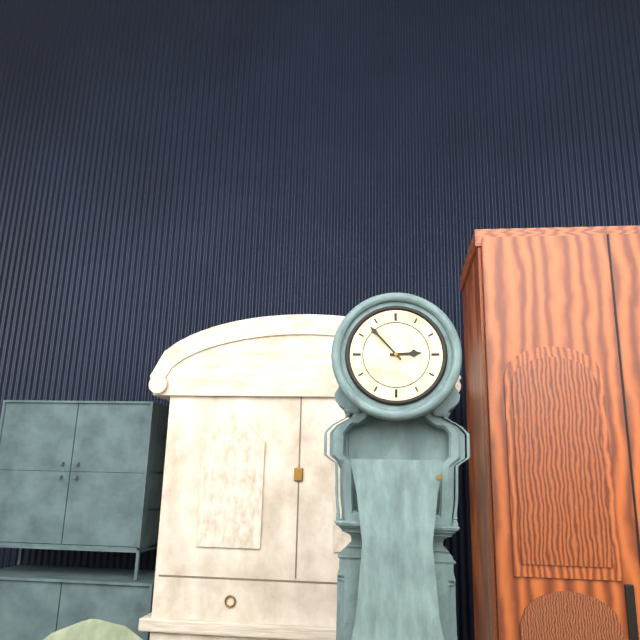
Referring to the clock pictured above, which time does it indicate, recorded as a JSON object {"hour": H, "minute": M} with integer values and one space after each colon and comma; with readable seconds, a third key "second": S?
{"hour": 2, "minute": 53}
